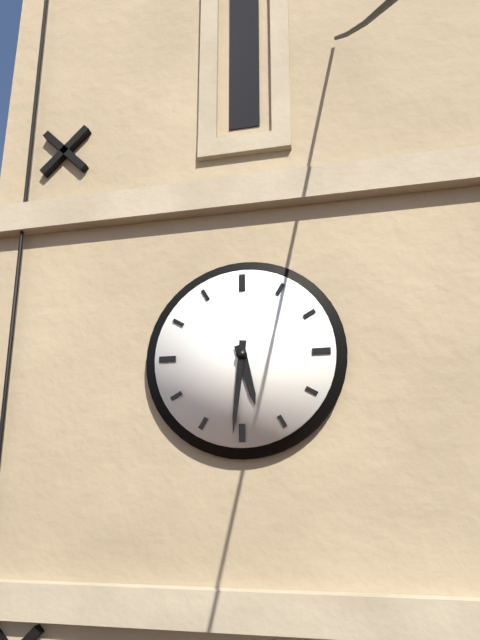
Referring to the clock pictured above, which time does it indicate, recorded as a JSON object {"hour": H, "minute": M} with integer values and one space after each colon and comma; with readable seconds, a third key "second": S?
{"hour": 5, "minute": 31}
